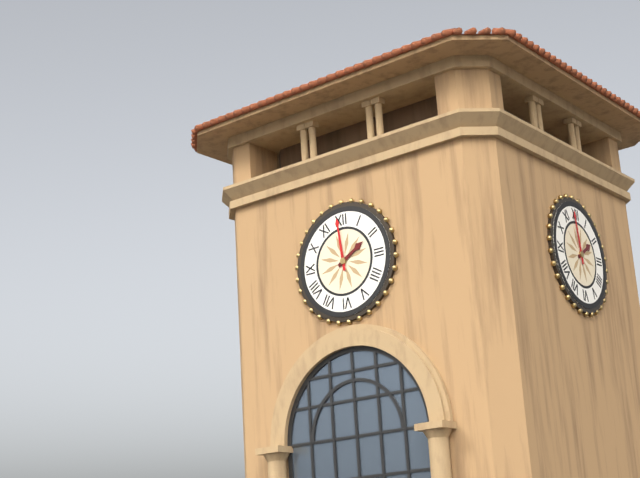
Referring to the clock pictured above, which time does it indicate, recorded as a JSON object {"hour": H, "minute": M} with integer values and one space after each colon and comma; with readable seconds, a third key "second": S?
{"hour": 1, "minute": 59}
